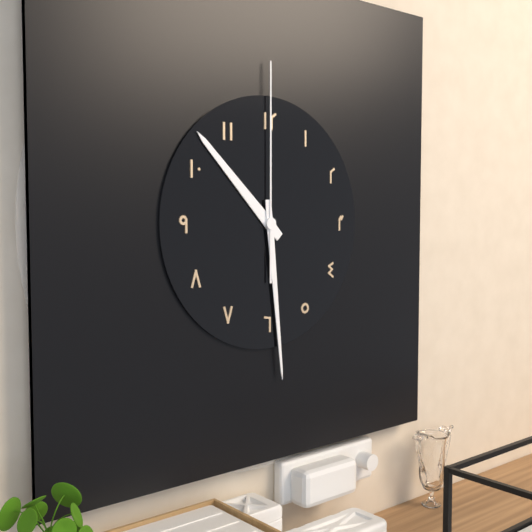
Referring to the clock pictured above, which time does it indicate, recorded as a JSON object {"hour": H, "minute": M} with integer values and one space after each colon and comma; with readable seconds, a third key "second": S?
{"hour": 10, "minute": 29, "second": 0}
